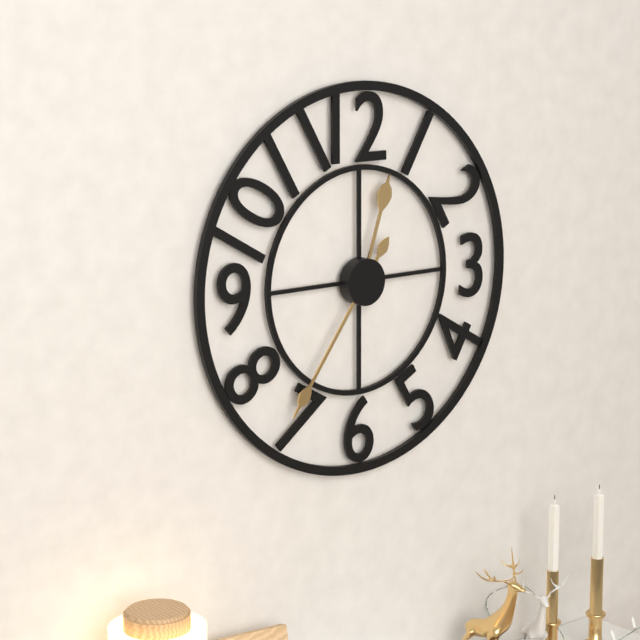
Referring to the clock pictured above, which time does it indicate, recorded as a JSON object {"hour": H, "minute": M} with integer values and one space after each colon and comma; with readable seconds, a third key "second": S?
{"hour": 12, "minute": 36}
